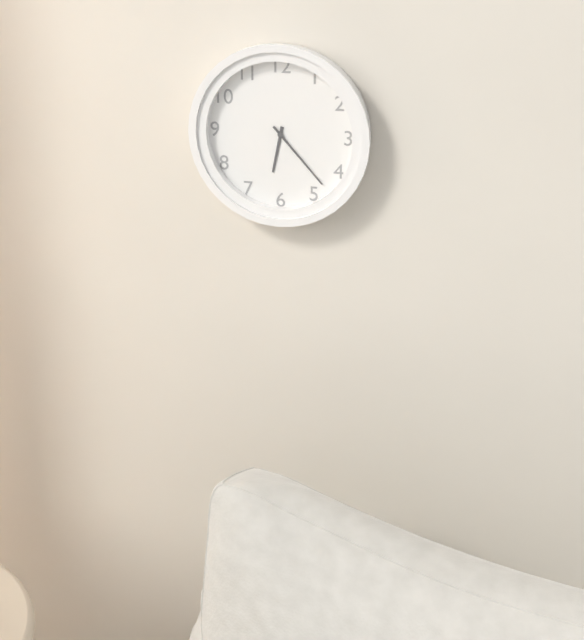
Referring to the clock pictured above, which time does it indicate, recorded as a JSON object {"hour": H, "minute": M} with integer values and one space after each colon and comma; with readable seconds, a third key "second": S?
{"hour": 6, "minute": 23}
